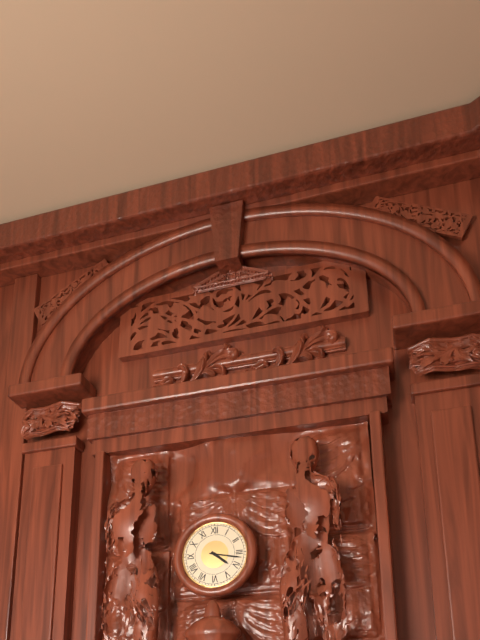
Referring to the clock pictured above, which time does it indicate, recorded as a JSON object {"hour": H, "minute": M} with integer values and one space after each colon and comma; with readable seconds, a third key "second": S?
{"hour": 4, "minute": 17}
